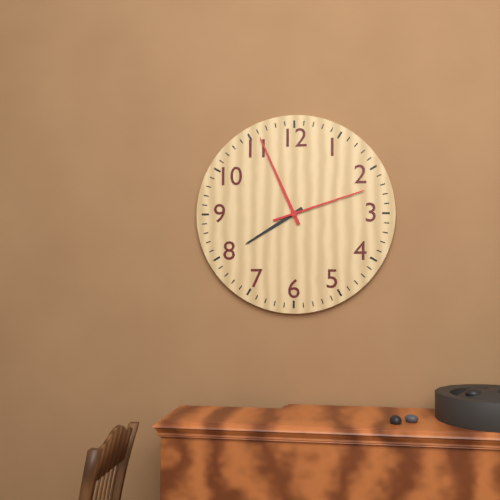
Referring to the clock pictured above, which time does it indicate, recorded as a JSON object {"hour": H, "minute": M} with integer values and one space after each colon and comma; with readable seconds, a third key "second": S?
{"hour": 7, "minute": 56, "second": 12}
